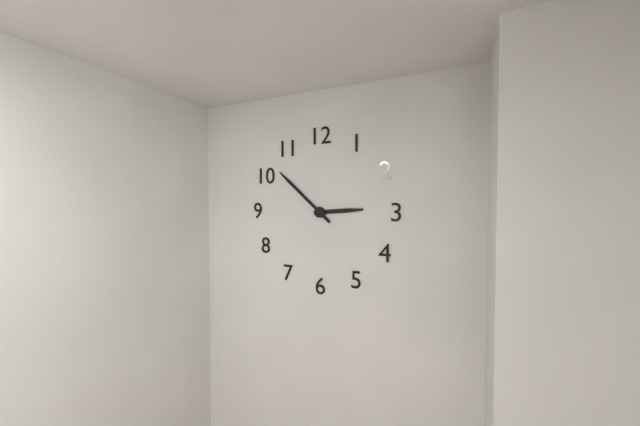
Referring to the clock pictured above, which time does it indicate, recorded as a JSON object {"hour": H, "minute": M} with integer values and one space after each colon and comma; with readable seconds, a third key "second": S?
{"hour": 2, "minute": 52}
